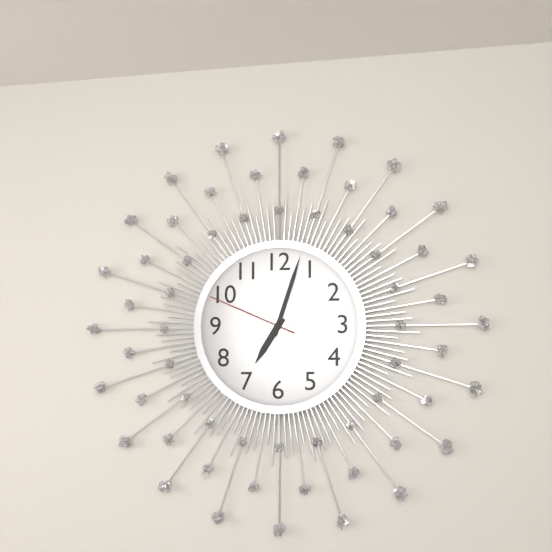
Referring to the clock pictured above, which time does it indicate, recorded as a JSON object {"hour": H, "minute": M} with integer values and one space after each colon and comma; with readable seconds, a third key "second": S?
{"hour": 7, "minute": 3, "second": 49}
